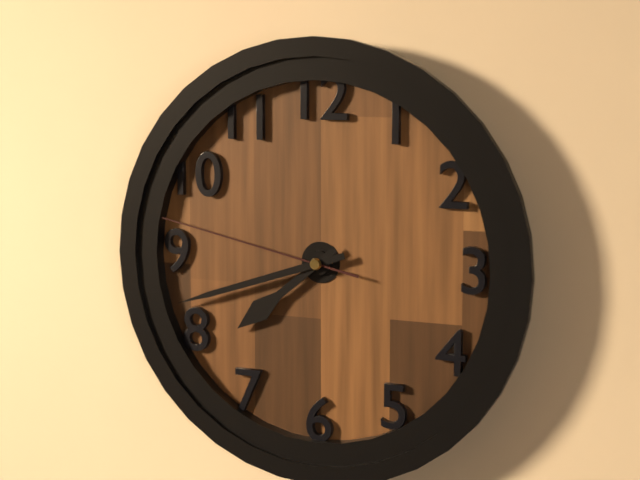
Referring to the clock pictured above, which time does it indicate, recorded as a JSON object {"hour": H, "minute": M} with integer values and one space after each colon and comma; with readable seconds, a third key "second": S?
{"hour": 7, "minute": 42, "second": 47}
